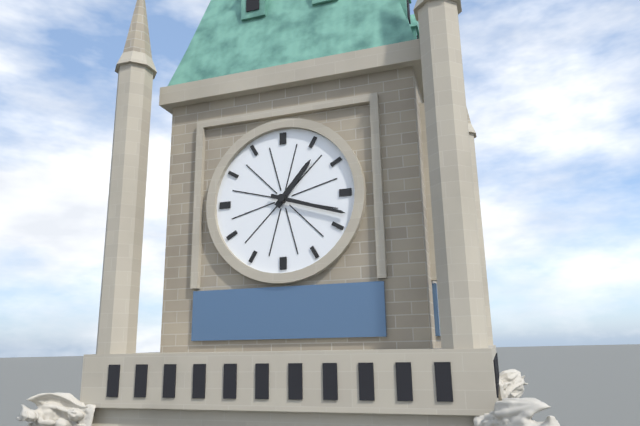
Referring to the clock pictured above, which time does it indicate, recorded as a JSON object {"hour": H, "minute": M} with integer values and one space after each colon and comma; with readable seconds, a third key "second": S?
{"hour": 1, "minute": 18}
